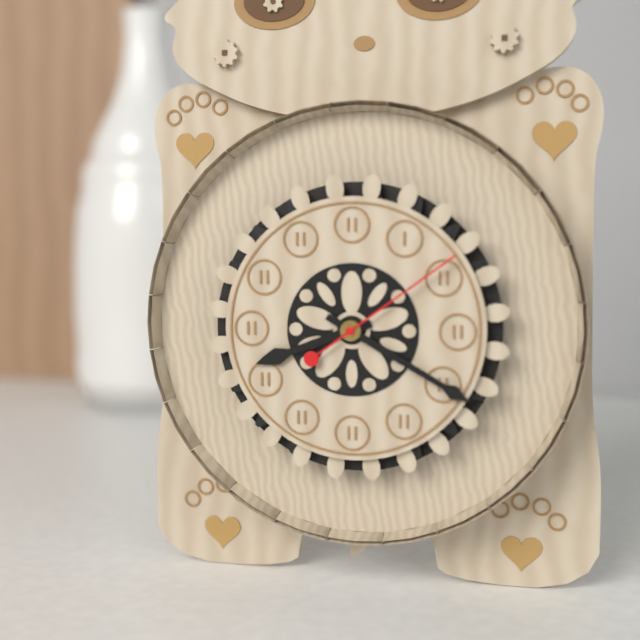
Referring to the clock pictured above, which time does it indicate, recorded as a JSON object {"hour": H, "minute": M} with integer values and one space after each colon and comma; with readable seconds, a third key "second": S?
{"hour": 8, "minute": 20, "second": 9}
